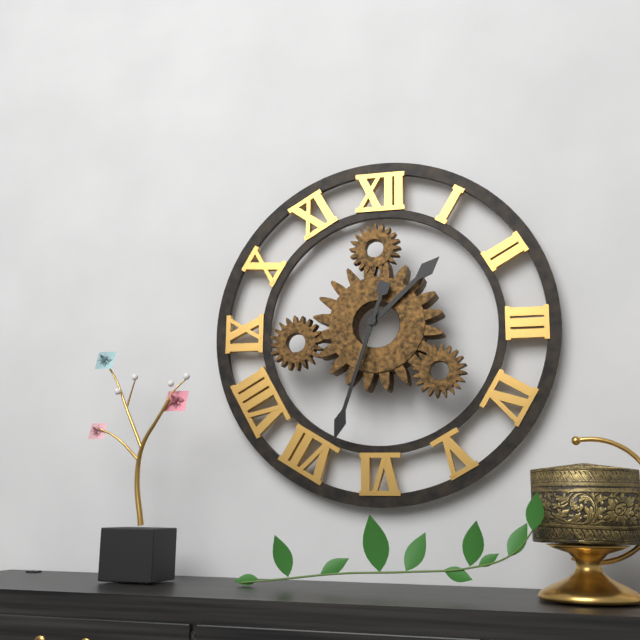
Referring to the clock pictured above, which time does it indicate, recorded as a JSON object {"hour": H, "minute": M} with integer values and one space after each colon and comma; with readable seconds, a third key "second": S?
{"hour": 1, "minute": 33}
